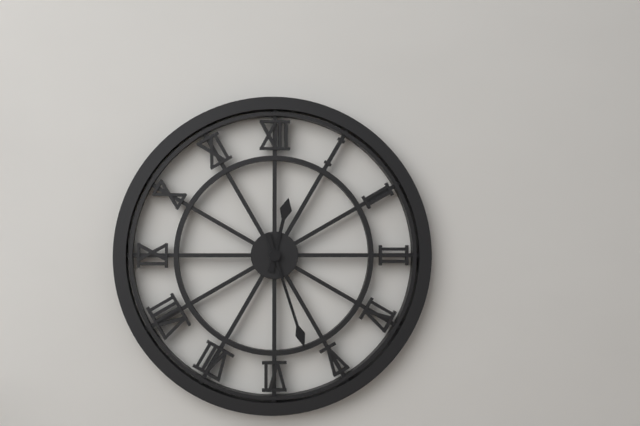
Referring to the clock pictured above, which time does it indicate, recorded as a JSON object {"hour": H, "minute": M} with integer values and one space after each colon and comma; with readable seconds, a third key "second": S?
{"hour": 12, "minute": 27}
